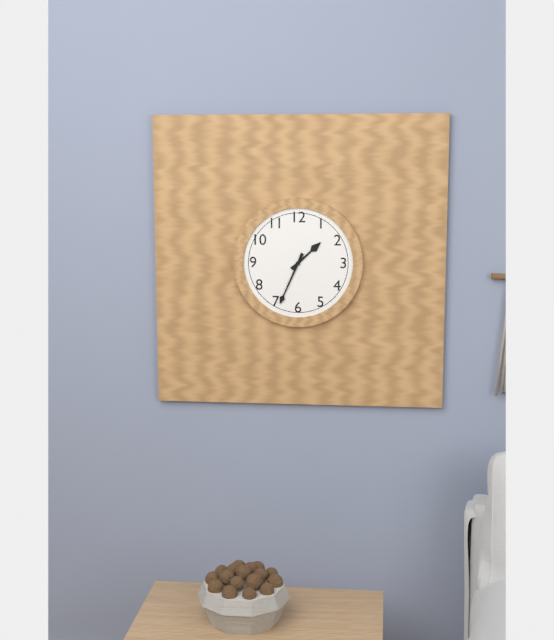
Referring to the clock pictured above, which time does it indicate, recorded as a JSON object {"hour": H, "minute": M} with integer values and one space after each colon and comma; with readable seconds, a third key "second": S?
{"hour": 1, "minute": 34}
